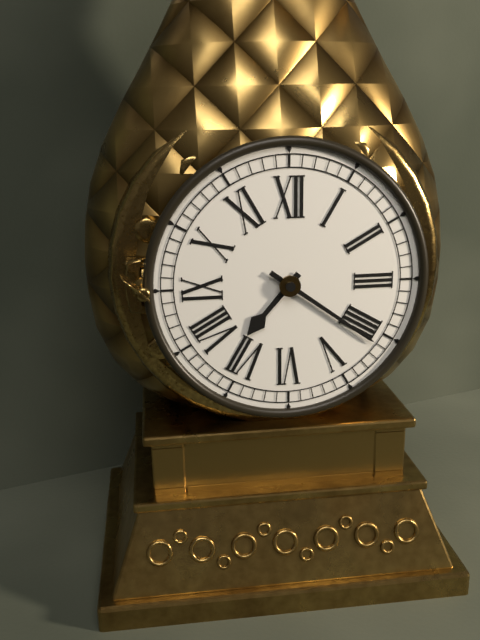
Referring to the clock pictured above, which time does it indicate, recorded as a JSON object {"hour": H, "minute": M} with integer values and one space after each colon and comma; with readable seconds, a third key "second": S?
{"hour": 7, "minute": 21}
